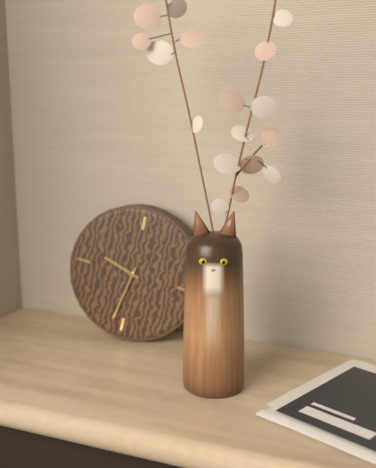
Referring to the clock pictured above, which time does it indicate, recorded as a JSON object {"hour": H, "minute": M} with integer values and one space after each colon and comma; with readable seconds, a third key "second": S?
{"hour": 9, "minute": 32}
